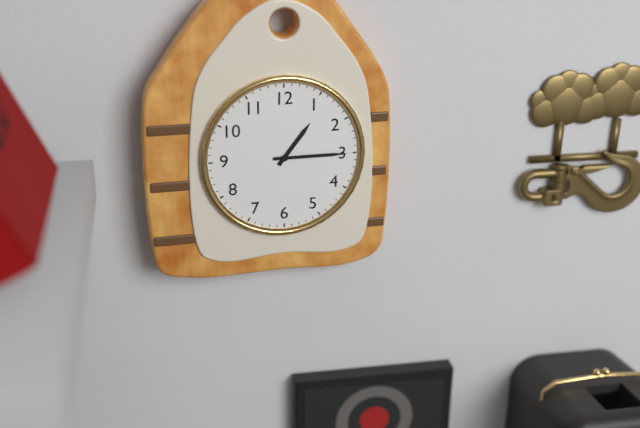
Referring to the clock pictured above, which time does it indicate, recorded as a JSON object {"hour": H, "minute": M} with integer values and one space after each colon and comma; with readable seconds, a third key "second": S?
{"hour": 1, "minute": 15}
